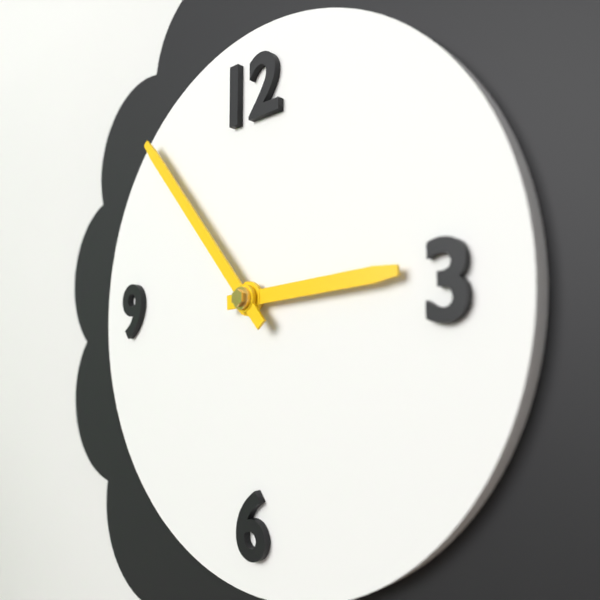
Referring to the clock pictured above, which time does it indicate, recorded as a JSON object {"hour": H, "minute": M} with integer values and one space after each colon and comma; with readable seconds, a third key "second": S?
{"hour": 2, "minute": 53}
